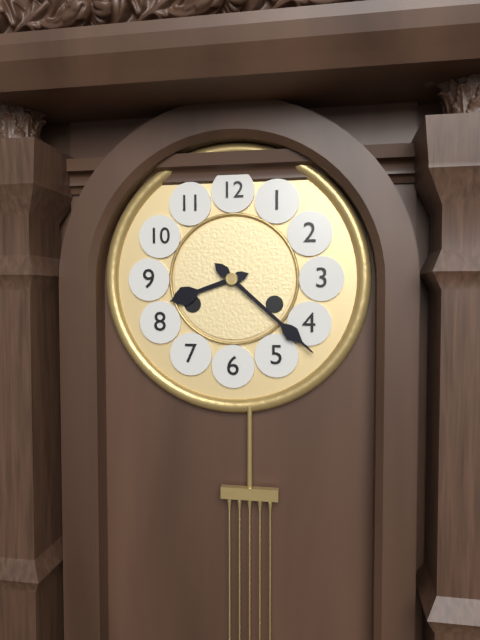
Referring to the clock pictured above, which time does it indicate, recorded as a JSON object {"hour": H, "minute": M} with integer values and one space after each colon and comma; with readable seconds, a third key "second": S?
{"hour": 8, "minute": 22}
